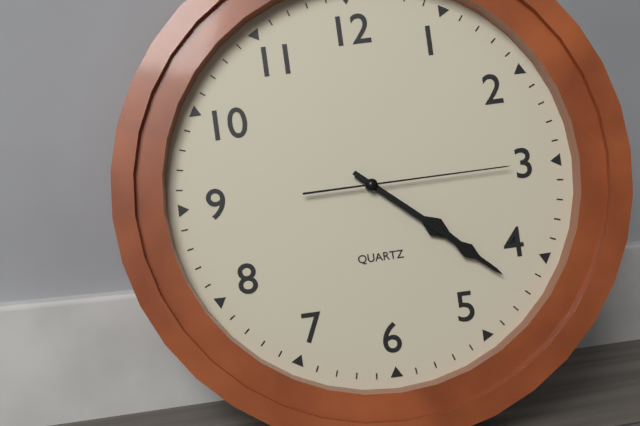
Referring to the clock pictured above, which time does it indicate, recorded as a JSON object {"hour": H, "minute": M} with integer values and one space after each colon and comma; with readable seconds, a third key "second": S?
{"hour": 4, "minute": 22, "second": 15}
